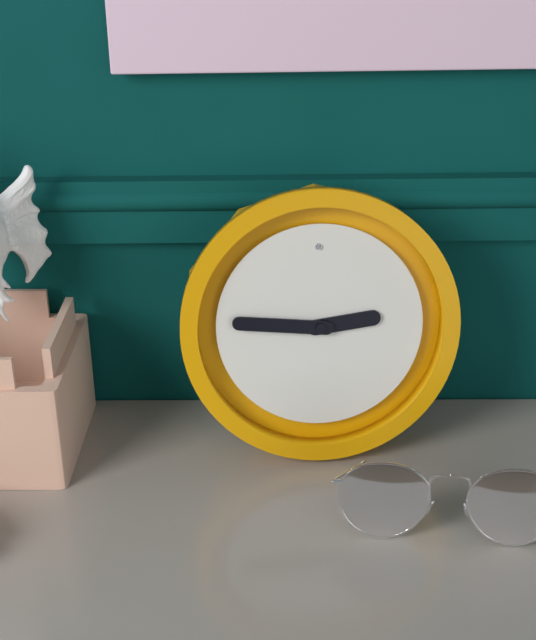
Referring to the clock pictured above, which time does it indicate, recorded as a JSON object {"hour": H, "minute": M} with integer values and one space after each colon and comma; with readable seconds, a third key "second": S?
{"hour": 2, "minute": 46}
